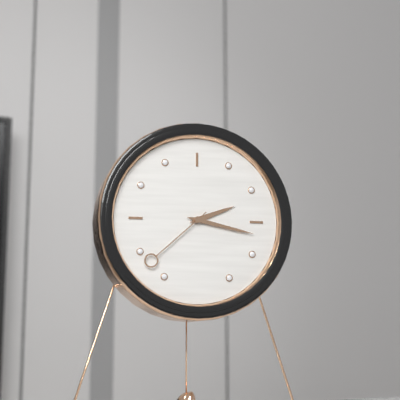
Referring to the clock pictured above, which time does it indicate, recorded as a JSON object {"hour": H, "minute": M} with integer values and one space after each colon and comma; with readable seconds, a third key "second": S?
{"hour": 2, "minute": 17, "second": 38}
